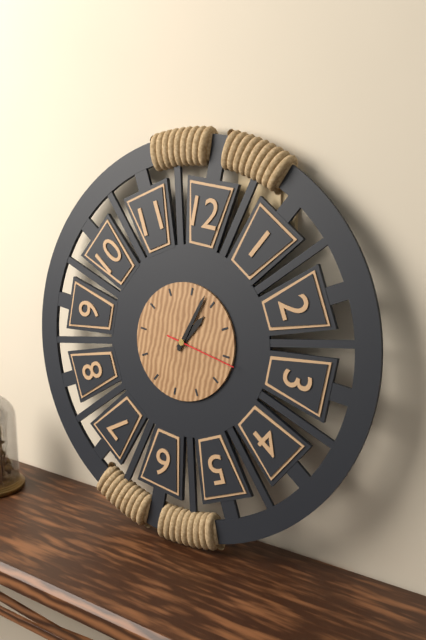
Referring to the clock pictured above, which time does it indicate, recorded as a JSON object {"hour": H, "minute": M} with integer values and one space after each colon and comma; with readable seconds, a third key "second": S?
{"hour": 1, "minute": 3, "second": 16}
